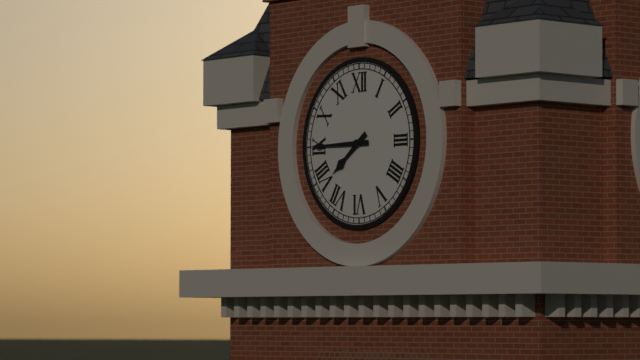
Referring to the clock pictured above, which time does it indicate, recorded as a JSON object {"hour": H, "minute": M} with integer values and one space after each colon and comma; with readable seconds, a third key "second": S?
{"hour": 7, "minute": 45}
